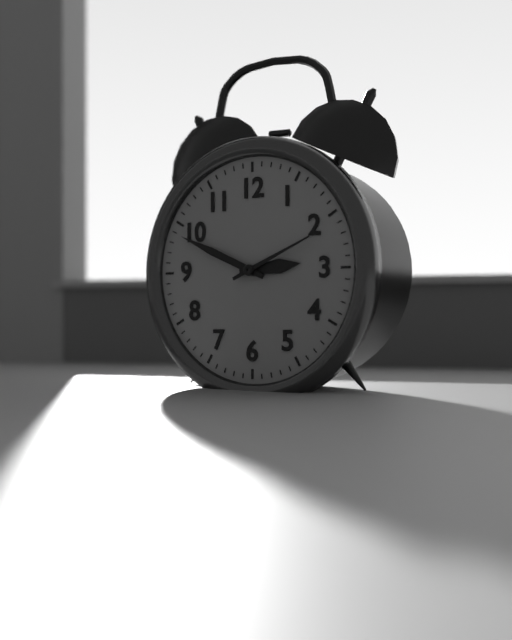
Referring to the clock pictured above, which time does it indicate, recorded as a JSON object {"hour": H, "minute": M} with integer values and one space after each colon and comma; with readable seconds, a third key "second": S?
{"hour": 2, "minute": 49, "second": 11}
